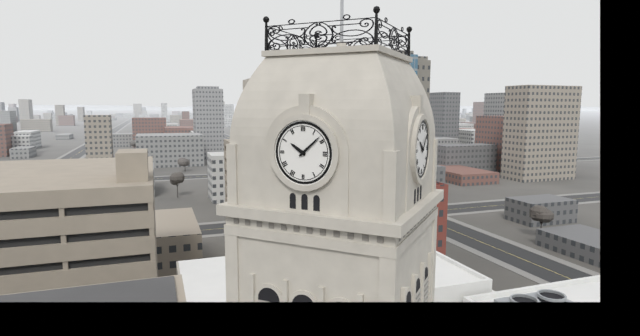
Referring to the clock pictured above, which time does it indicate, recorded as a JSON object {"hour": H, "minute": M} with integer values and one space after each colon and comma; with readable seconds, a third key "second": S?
{"hour": 10, "minute": 8}
